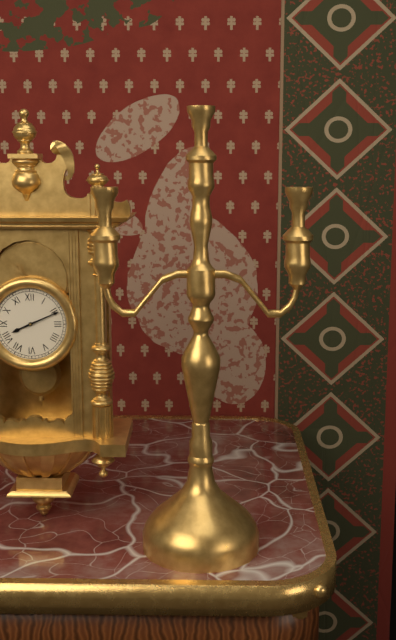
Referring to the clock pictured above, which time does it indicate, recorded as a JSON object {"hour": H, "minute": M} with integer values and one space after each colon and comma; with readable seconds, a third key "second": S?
{"hour": 8, "minute": 11}
